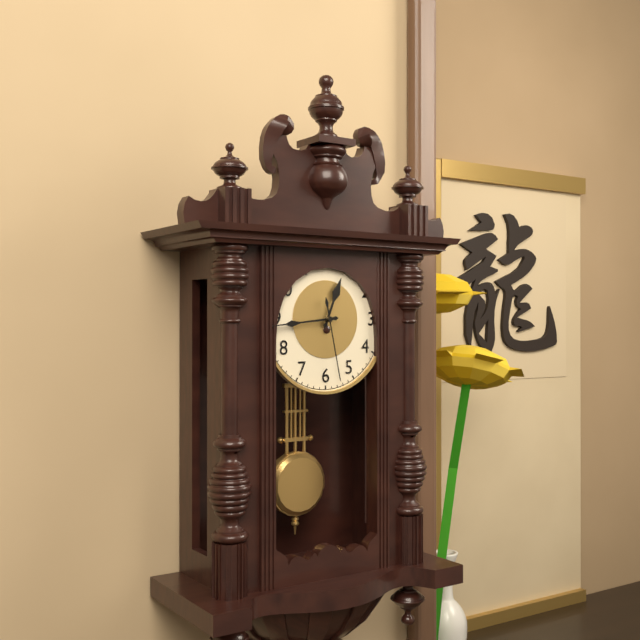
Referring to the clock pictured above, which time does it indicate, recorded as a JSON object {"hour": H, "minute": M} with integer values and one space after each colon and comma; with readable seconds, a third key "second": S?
{"hour": 12, "minute": 44, "second": 28}
